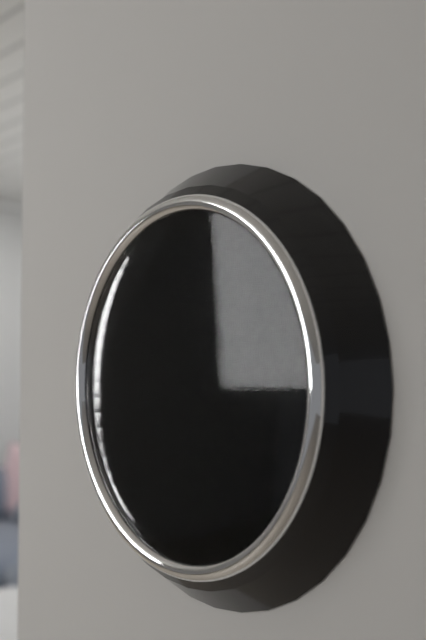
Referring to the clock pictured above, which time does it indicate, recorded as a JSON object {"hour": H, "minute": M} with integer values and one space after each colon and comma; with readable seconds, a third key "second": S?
{"hour": 11, "minute": 41}
